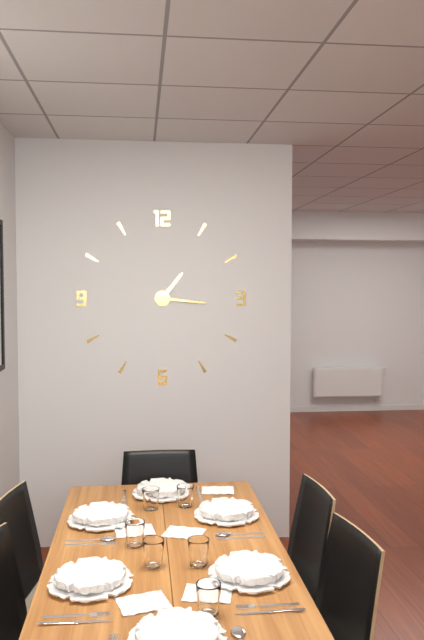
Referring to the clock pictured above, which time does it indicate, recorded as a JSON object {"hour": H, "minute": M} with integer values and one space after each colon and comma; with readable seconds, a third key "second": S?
{"hour": 1, "minute": 16}
